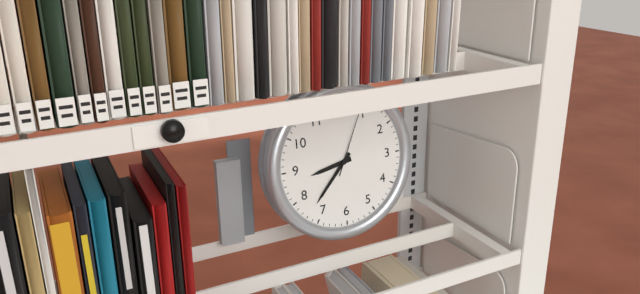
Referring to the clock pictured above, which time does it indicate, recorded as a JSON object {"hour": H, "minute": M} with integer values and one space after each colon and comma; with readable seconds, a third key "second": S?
{"hour": 8, "minute": 37, "second": 4}
